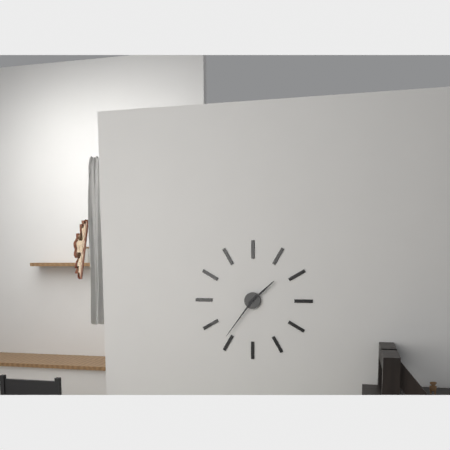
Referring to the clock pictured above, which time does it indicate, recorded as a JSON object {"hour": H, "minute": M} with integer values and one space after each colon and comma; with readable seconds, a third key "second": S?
{"hour": 1, "minute": 36}
